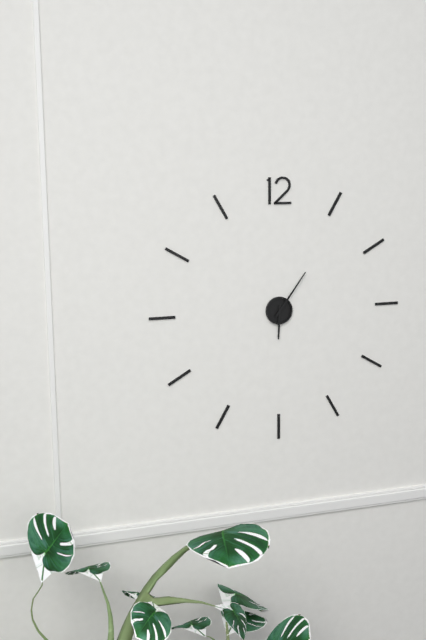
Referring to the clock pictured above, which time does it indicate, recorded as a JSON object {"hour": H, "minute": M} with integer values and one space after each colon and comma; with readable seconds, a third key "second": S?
{"hour": 6, "minute": 6}
